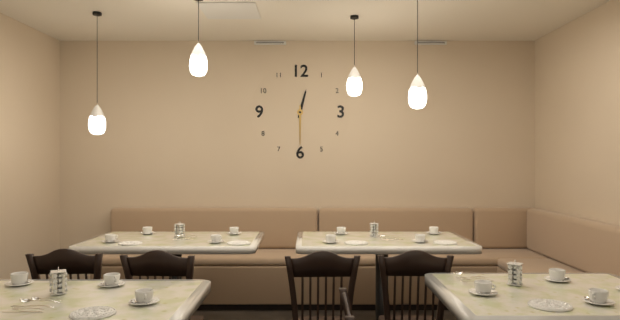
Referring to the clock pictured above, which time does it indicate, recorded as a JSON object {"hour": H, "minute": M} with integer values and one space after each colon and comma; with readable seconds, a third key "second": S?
{"hour": 12, "minute": 30}
